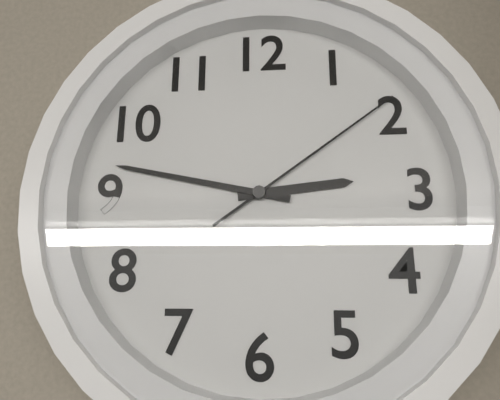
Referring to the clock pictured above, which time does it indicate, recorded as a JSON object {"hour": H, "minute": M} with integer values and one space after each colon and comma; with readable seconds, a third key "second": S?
{"hour": 2, "minute": 47, "second": 9}
